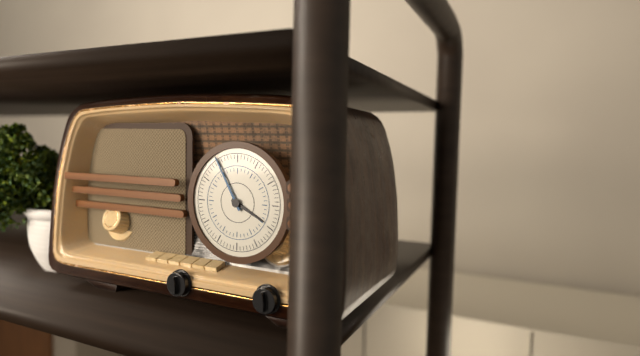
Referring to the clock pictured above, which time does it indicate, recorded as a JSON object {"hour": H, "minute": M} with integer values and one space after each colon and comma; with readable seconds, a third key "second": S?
{"hour": 3, "minute": 55}
